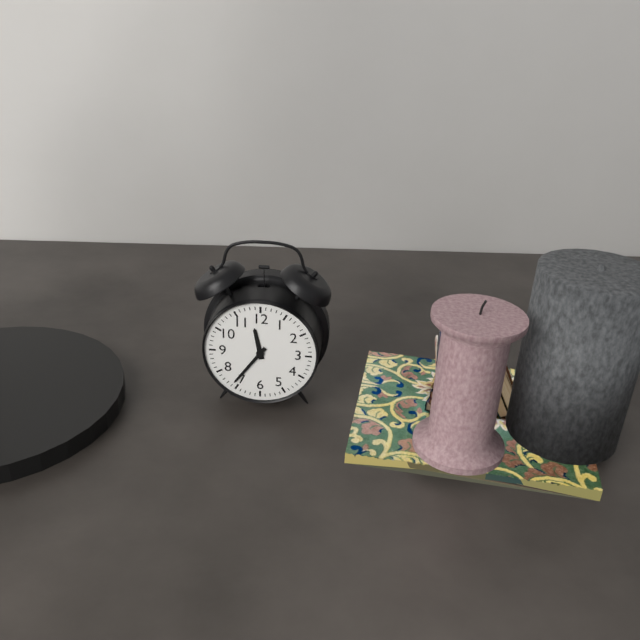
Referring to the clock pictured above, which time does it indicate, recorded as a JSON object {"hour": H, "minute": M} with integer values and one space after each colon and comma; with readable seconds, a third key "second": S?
{"hour": 11, "minute": 36}
